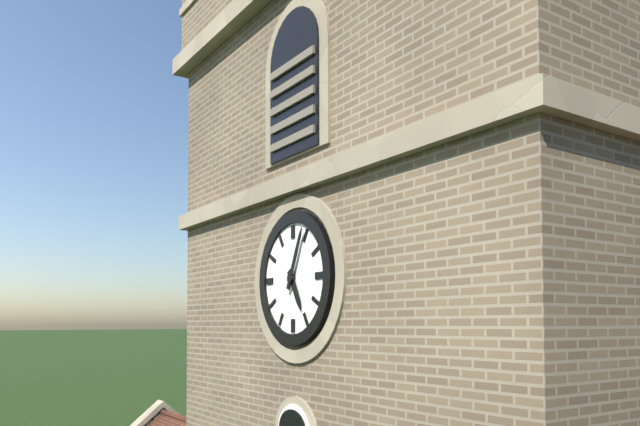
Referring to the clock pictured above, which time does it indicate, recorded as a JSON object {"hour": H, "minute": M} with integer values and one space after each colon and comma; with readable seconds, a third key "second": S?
{"hour": 5, "minute": 4}
